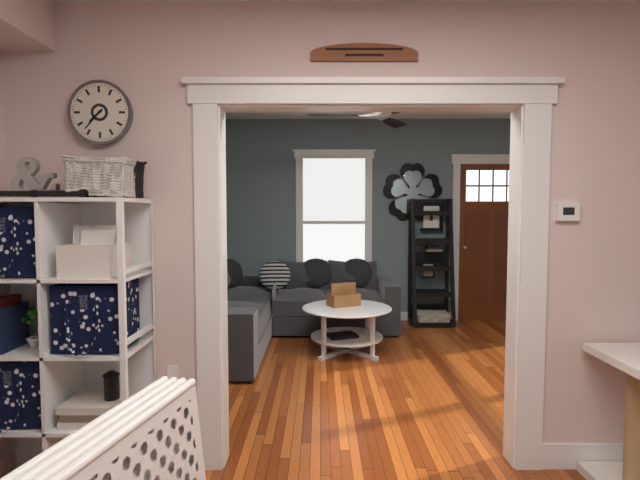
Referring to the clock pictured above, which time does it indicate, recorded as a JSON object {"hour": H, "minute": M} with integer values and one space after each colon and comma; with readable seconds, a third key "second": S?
{"hour": 7, "minute": 37}
